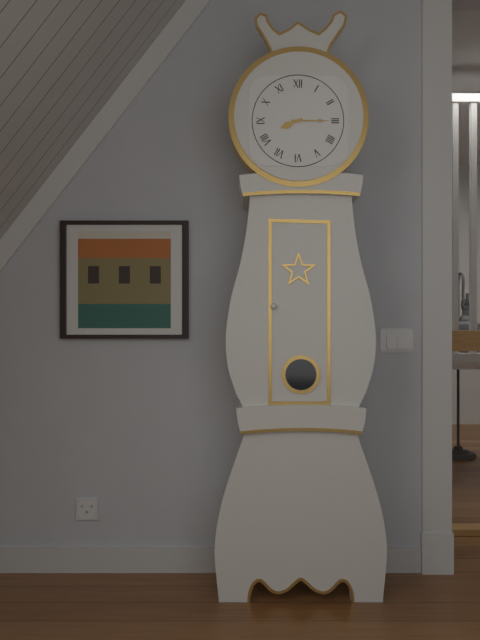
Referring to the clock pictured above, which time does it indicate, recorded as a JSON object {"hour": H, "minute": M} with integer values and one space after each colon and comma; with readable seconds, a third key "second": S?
{"hour": 8, "minute": 15}
